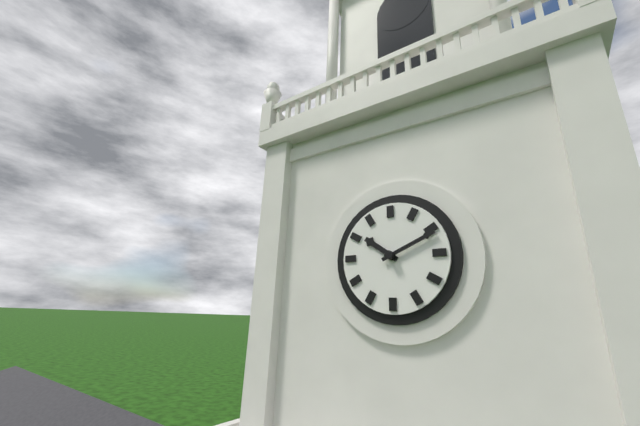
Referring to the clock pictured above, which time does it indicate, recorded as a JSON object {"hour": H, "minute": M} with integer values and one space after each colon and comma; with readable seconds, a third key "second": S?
{"hour": 10, "minute": 11}
